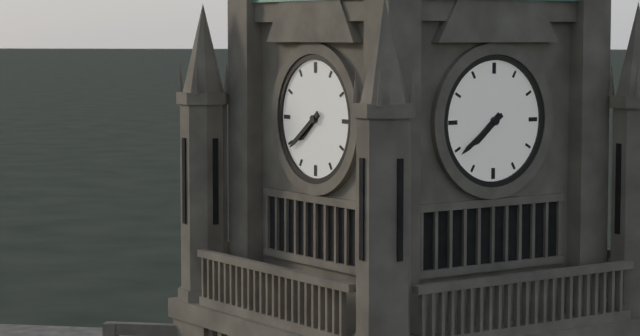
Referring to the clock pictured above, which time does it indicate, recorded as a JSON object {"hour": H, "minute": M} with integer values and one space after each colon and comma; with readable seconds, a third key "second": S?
{"hour": 7, "minute": 39}
